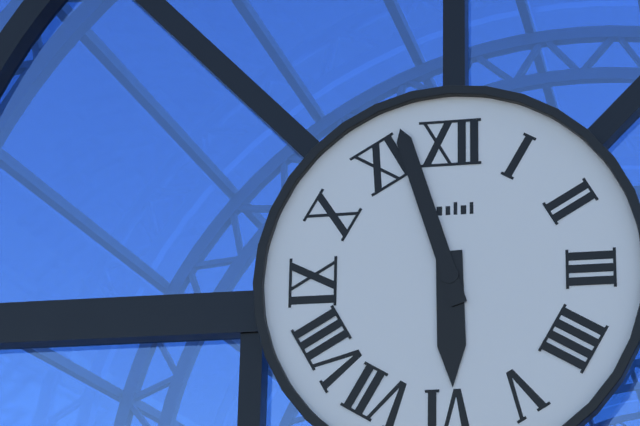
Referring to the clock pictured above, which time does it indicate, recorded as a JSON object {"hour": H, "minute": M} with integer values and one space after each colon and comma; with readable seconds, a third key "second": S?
{"hour": 5, "minute": 57}
